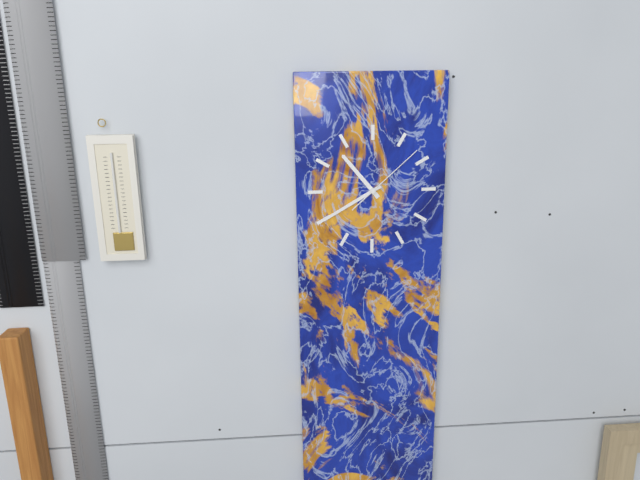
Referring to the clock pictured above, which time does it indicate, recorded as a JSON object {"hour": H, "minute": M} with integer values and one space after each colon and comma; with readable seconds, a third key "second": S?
{"hour": 10, "minute": 40, "second": 8}
